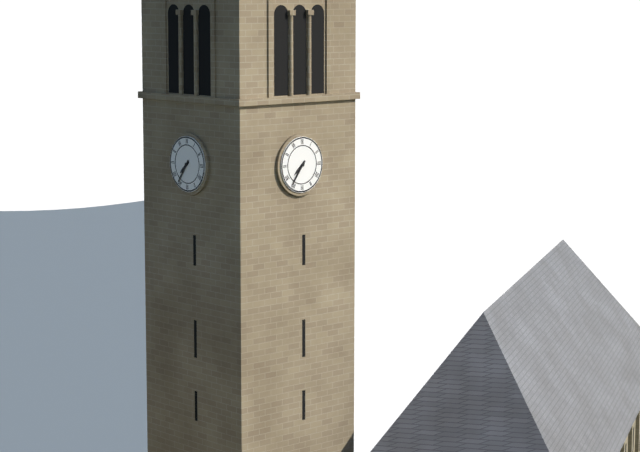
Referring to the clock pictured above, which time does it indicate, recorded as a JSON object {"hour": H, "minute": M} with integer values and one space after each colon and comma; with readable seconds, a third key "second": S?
{"hour": 7, "minute": 36}
